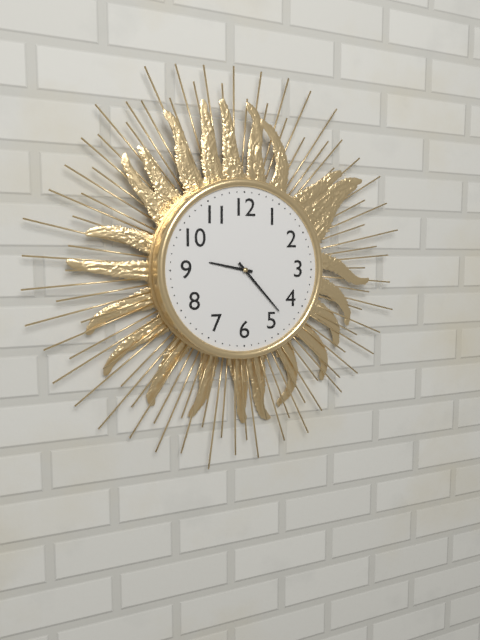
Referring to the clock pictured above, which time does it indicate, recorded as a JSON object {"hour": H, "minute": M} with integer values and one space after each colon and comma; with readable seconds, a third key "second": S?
{"hour": 9, "minute": 23}
